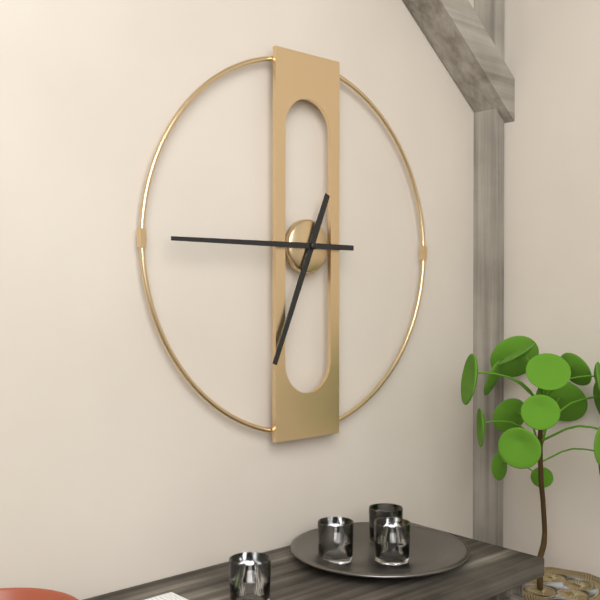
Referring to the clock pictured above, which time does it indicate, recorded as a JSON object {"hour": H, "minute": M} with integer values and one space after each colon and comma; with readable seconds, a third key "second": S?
{"hour": 6, "minute": 45}
